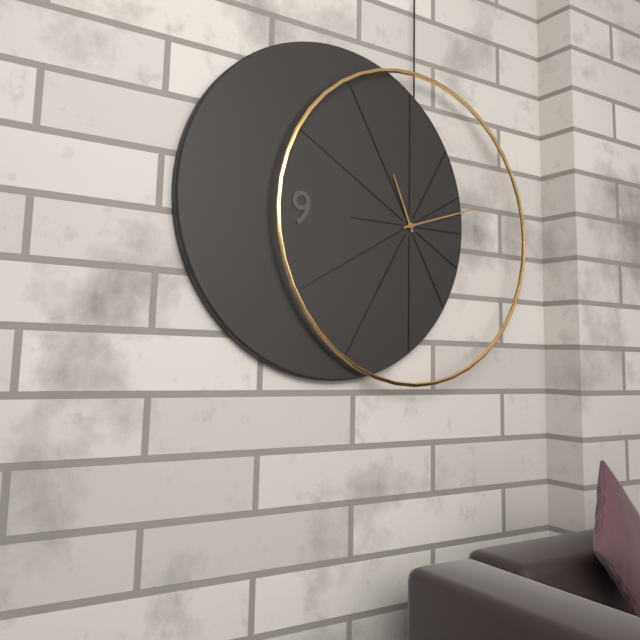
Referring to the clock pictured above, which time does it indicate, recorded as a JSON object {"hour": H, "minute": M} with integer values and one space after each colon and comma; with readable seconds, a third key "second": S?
{"hour": 11, "minute": 12}
